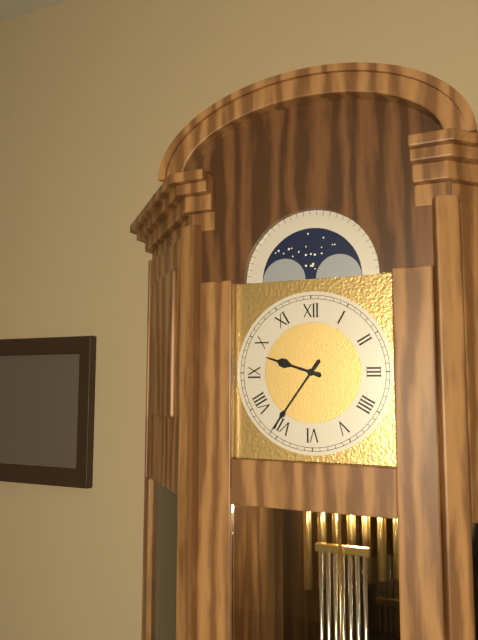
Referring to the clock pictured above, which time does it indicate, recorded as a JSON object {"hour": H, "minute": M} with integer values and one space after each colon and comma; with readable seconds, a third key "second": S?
{"hour": 9, "minute": 36}
